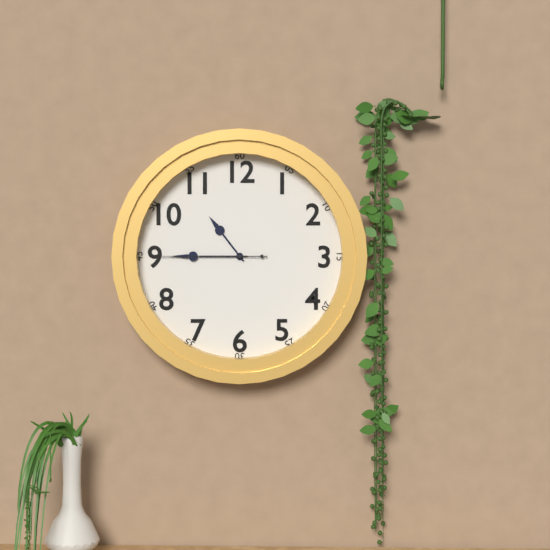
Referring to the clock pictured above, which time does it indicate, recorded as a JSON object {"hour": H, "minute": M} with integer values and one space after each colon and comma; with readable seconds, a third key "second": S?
{"hour": 10, "minute": 45, "second": 45}
